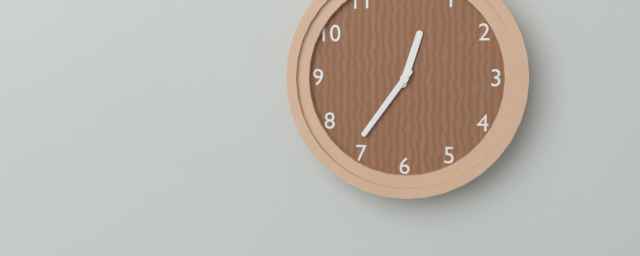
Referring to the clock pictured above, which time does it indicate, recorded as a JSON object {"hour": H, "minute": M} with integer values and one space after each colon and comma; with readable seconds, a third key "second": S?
{"hour": 12, "minute": 36}
